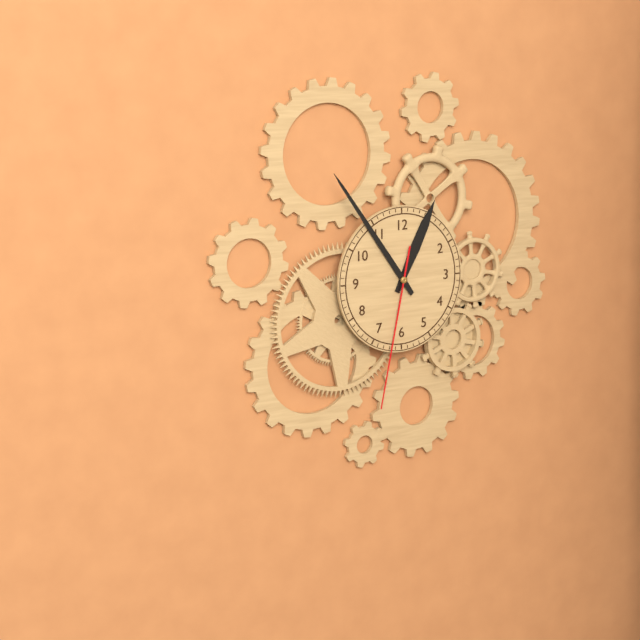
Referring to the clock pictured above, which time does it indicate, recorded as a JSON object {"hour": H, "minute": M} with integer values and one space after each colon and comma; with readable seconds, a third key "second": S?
{"hour": 12, "minute": 54, "second": 32}
